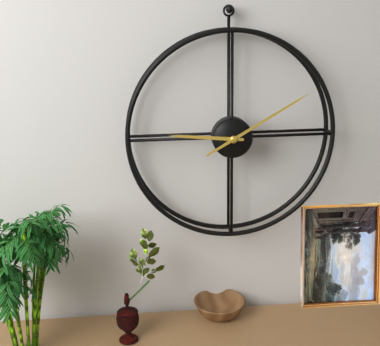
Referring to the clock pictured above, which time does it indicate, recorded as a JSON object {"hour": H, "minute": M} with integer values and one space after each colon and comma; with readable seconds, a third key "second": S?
{"hour": 9, "minute": 10}
